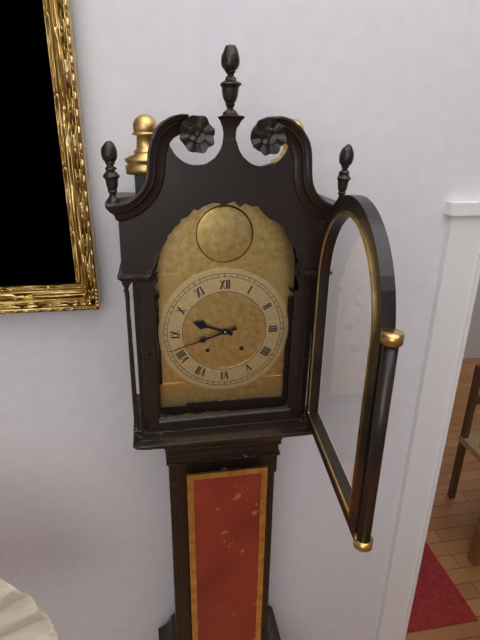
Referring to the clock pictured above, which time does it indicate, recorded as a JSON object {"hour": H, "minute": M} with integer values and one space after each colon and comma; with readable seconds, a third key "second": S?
{"hour": 9, "minute": 42}
